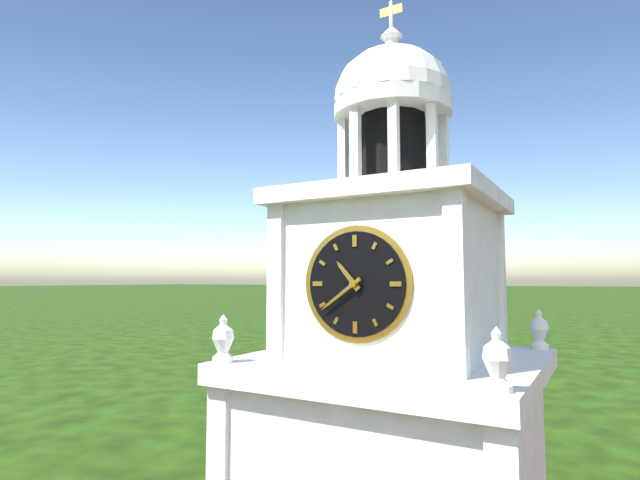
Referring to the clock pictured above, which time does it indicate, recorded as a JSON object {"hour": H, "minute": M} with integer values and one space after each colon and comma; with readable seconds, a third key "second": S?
{"hour": 10, "minute": 39}
